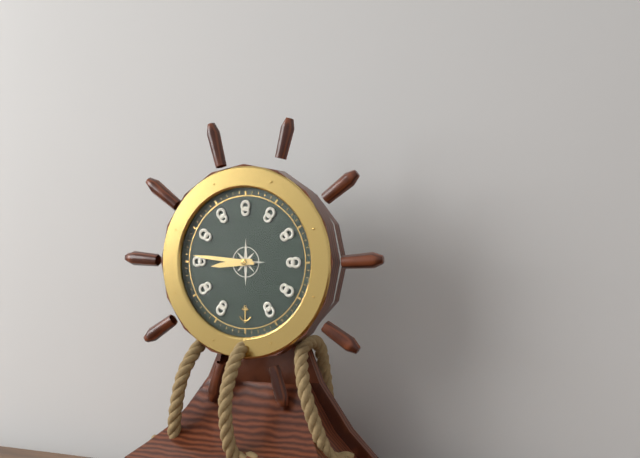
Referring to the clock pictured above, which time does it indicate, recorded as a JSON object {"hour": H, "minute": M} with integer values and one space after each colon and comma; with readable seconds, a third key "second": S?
{"hour": 8, "minute": 46}
